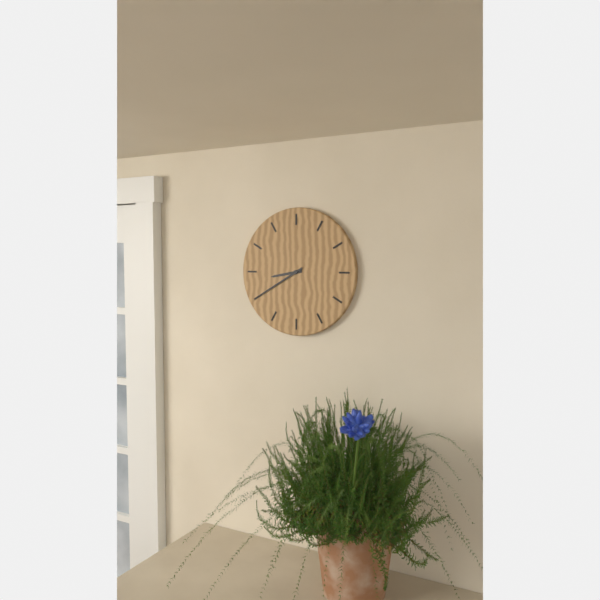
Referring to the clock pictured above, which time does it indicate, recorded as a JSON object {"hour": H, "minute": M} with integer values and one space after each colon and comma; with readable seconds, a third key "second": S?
{"hour": 8, "minute": 40}
